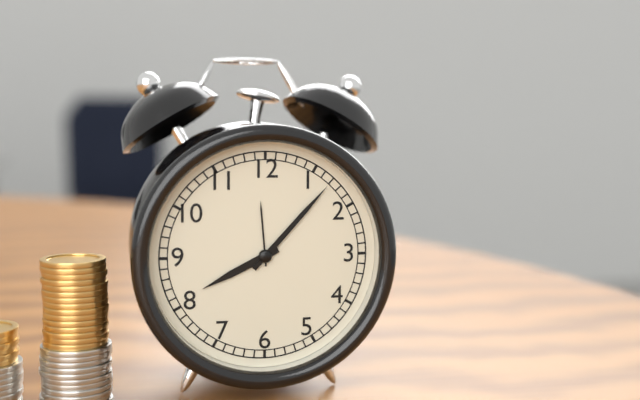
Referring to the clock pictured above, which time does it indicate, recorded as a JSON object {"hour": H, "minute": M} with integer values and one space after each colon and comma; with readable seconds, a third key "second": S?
{"hour": 8, "minute": 7}
